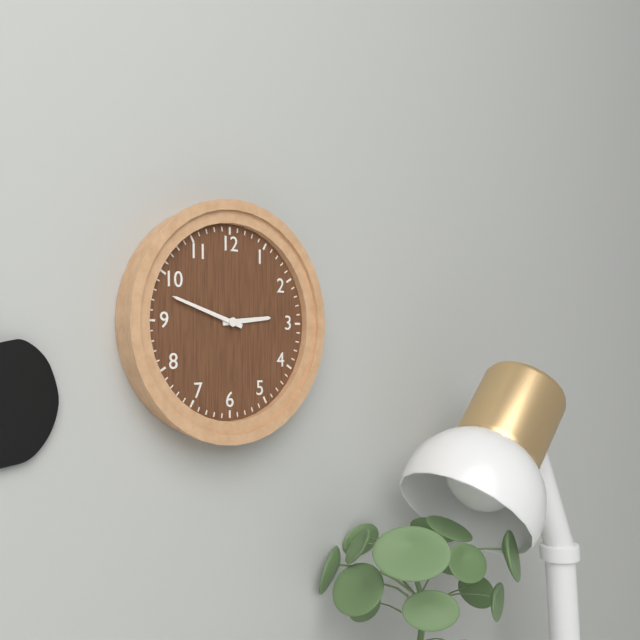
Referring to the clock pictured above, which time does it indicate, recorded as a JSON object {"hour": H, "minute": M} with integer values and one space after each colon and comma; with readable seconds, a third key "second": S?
{"hour": 2, "minute": 48}
